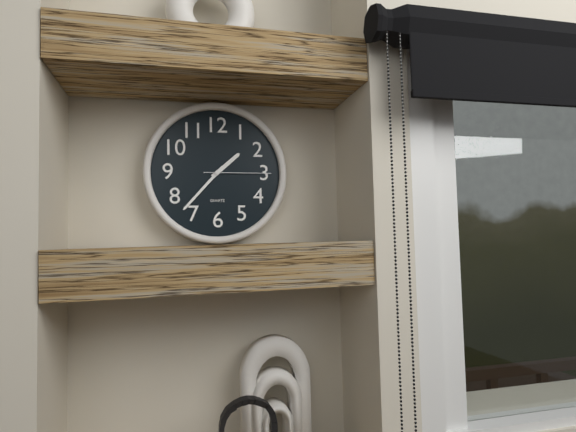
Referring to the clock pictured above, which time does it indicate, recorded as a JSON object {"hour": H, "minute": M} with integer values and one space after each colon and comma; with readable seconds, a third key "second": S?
{"hour": 1, "minute": 37, "second": 15}
